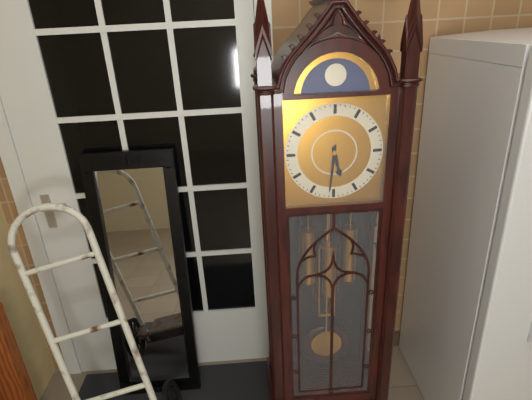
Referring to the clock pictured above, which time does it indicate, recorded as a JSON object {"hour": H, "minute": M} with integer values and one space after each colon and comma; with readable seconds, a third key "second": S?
{"hour": 5, "minute": 31}
